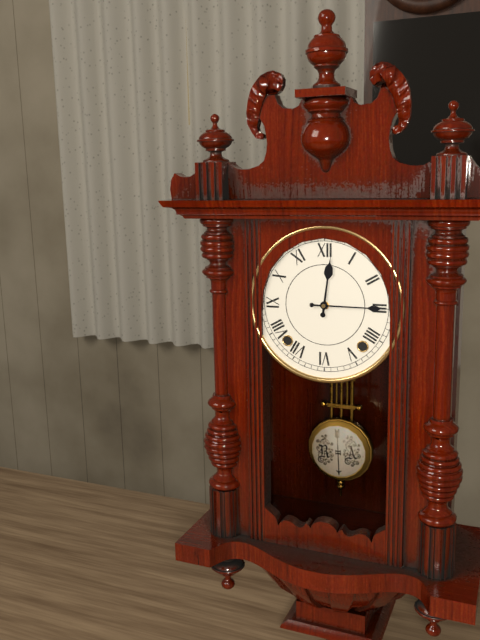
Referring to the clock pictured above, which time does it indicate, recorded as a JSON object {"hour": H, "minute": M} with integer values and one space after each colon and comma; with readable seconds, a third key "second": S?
{"hour": 12, "minute": 15}
